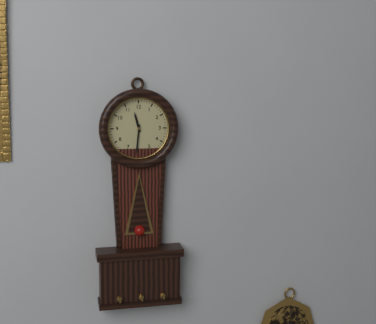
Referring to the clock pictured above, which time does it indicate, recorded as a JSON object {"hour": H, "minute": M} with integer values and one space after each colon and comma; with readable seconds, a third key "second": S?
{"hour": 11, "minute": 31}
